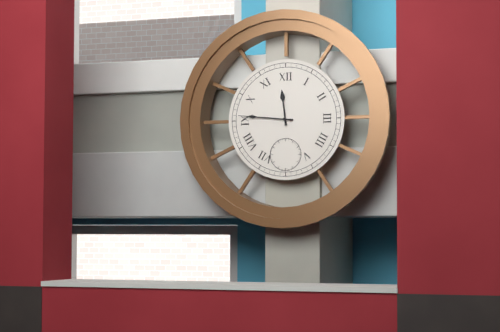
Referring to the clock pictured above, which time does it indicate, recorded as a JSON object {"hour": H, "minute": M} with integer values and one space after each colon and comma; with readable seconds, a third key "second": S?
{"hour": 11, "minute": 46}
